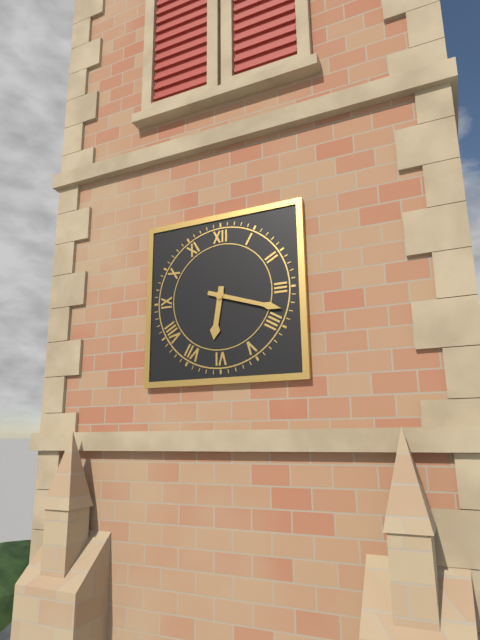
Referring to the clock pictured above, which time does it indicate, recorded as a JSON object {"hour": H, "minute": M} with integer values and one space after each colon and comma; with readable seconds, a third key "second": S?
{"hour": 6, "minute": 18}
